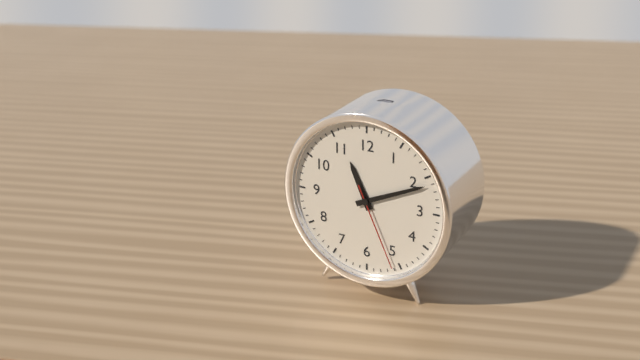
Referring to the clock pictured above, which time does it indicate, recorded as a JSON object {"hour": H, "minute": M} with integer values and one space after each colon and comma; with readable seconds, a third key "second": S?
{"hour": 11, "minute": 11, "second": 26}
